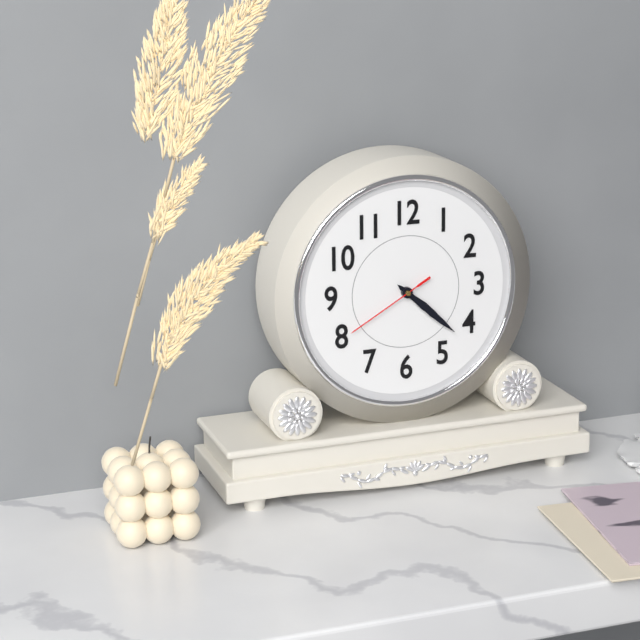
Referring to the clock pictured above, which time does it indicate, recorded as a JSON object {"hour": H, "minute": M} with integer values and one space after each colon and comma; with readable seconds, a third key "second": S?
{"hour": 4, "minute": 22, "second": 40}
